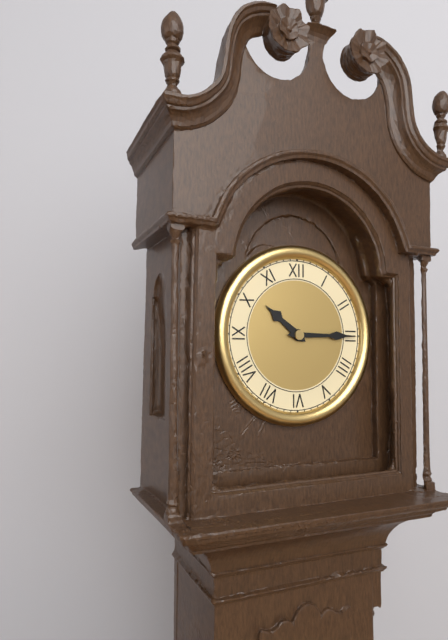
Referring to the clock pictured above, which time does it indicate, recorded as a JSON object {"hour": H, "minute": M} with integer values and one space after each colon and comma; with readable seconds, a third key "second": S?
{"hour": 10, "minute": 15}
